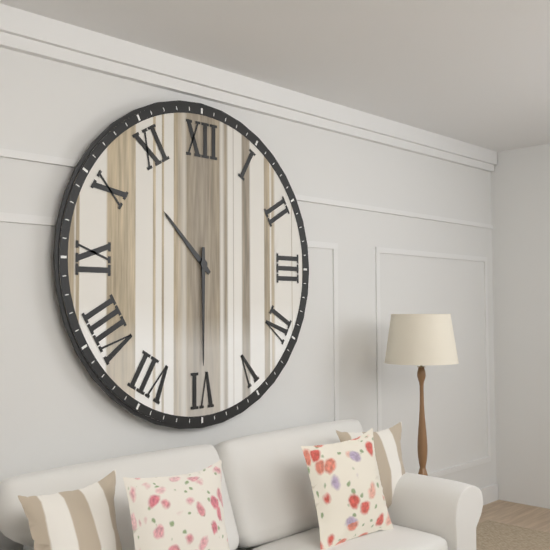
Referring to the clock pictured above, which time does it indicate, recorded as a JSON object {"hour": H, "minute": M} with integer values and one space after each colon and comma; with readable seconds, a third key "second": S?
{"hour": 10, "minute": 30}
